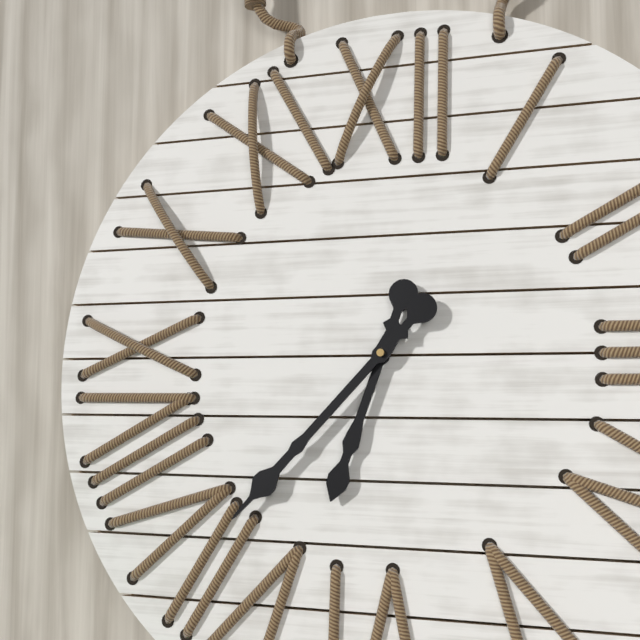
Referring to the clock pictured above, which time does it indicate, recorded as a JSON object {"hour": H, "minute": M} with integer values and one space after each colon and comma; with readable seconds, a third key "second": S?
{"hour": 6, "minute": 37}
